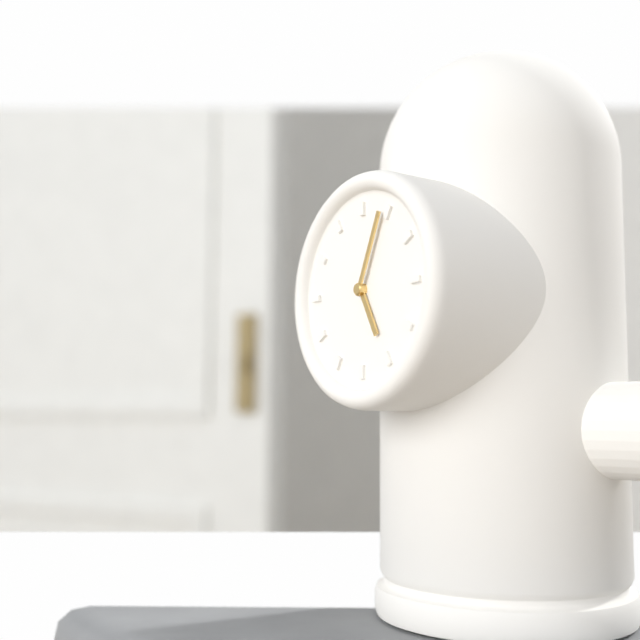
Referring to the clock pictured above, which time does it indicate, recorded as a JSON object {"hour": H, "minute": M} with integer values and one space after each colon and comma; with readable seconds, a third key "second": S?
{"hour": 5, "minute": 4}
